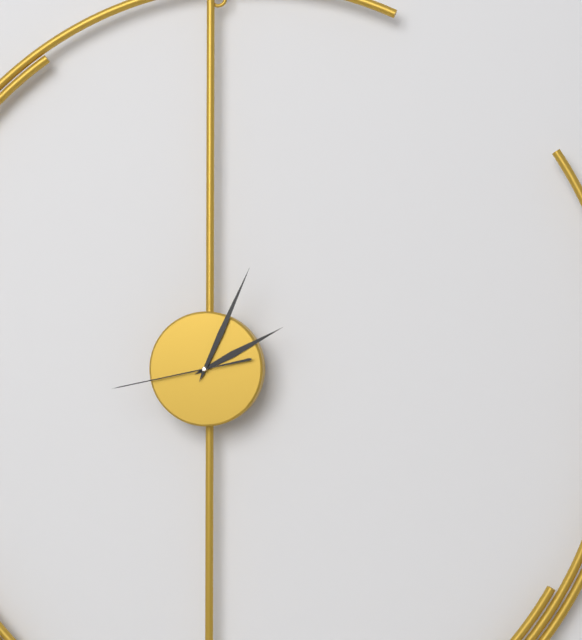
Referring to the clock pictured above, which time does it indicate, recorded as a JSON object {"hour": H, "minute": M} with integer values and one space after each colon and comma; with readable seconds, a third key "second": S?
{"hour": 2, "minute": 4, "second": 43}
